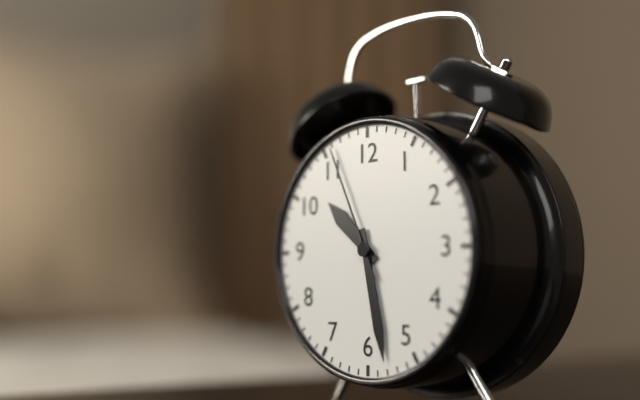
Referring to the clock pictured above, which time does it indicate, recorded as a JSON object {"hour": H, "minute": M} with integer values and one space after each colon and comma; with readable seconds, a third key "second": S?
{"hour": 10, "minute": 28, "second": 56}
